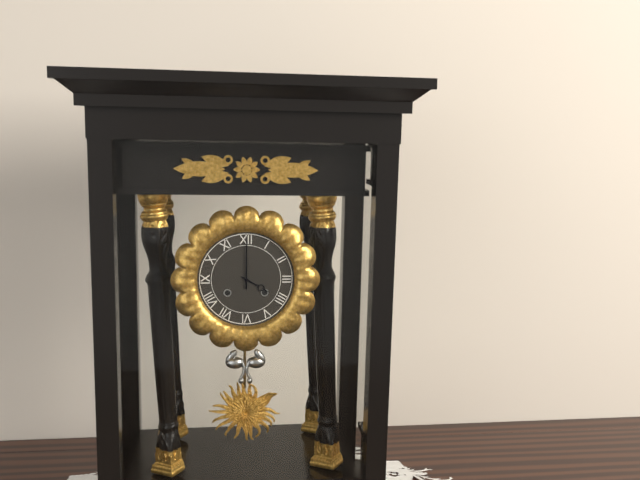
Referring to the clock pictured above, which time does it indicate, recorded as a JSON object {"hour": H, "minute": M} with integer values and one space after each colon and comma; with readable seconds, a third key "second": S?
{"hour": 4, "minute": 0}
